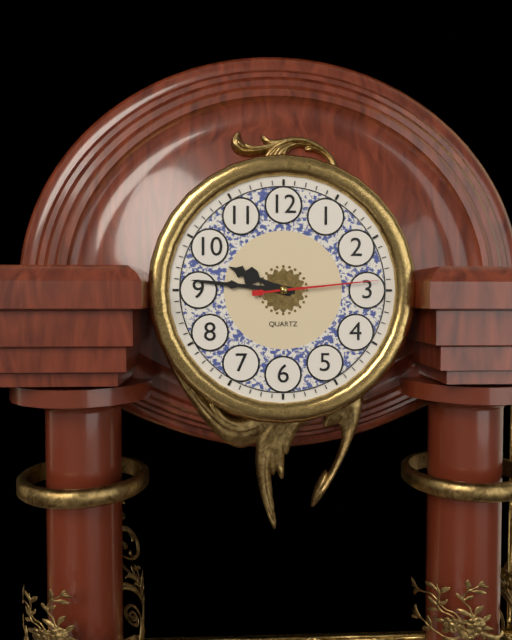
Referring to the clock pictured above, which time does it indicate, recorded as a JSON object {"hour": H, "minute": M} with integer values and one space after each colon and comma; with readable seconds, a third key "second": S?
{"hour": 9, "minute": 46, "second": 14}
